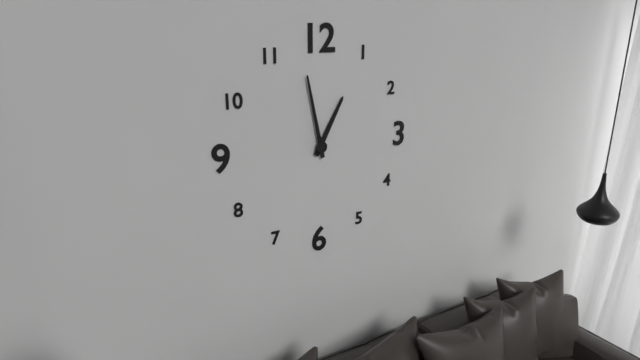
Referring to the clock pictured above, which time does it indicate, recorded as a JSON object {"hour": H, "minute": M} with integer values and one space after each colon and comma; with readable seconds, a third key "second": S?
{"hour": 12, "minute": 58}
